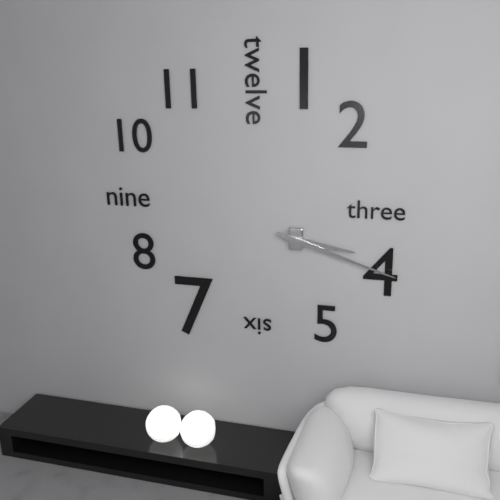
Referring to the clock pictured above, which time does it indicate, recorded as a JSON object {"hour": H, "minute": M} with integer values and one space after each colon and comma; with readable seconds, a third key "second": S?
{"hour": 3, "minute": 18}
